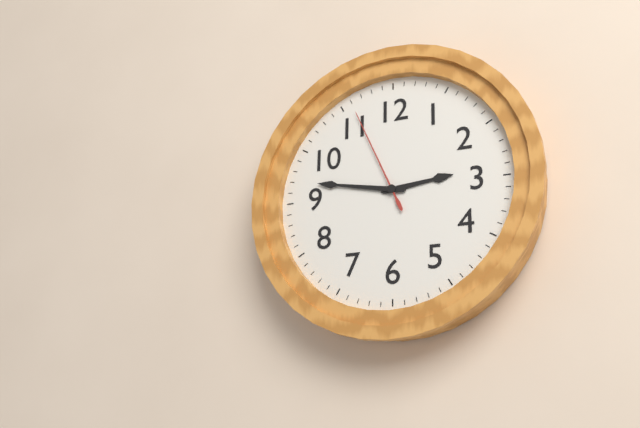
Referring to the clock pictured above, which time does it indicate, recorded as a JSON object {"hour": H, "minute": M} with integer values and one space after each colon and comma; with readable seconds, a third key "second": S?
{"hour": 2, "minute": 47, "second": 56}
